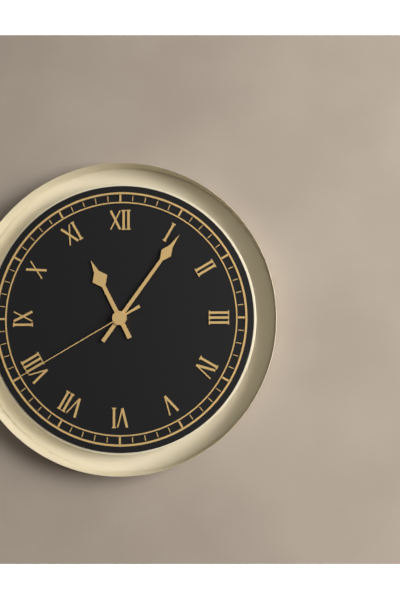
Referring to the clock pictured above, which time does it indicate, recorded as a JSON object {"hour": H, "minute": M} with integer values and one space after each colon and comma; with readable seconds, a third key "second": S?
{"hour": 11, "minute": 6, "second": 40}
